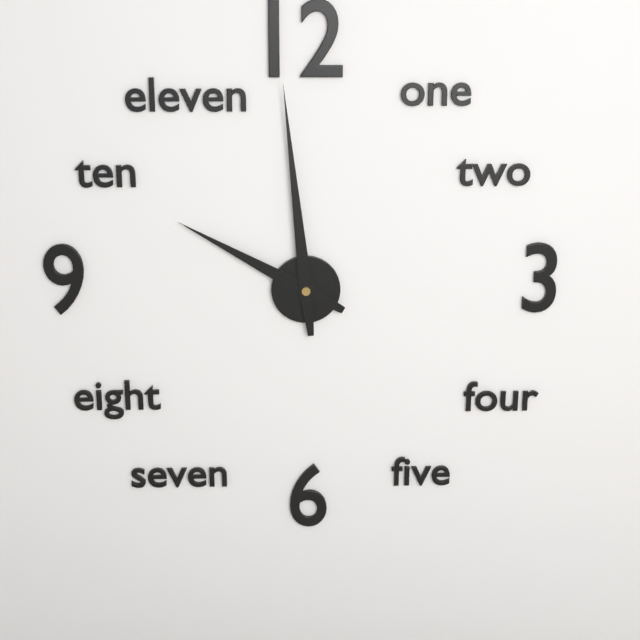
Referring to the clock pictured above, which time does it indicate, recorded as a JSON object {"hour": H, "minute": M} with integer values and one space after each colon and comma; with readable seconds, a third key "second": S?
{"hour": 9, "minute": 59}
